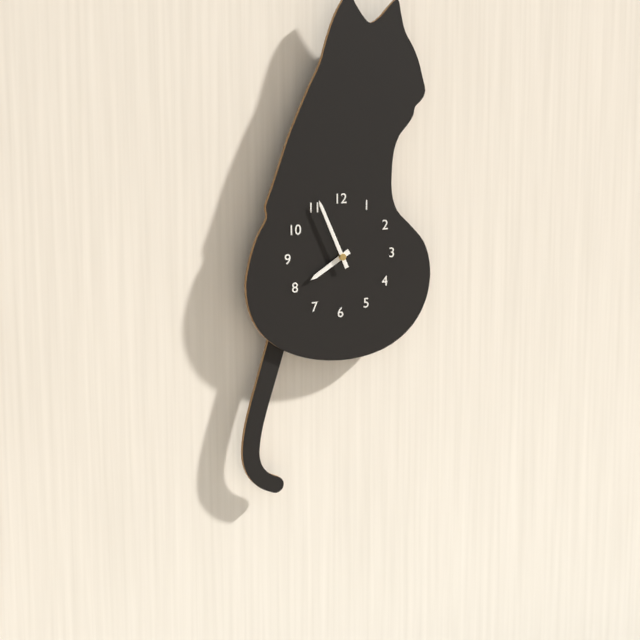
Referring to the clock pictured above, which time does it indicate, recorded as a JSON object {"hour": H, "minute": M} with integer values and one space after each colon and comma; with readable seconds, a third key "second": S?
{"hour": 7, "minute": 56}
